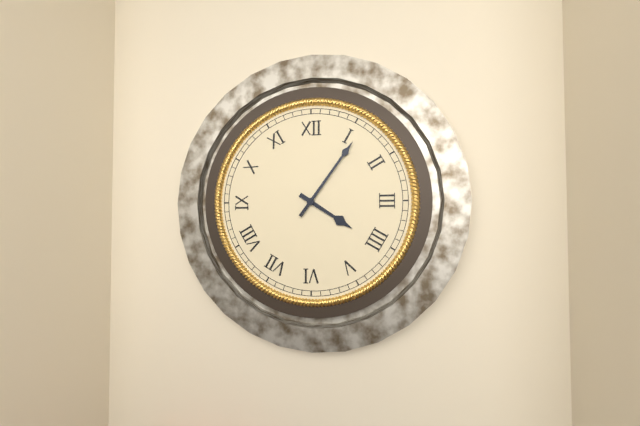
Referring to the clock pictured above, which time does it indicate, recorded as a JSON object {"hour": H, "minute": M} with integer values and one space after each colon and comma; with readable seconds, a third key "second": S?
{"hour": 4, "minute": 6}
